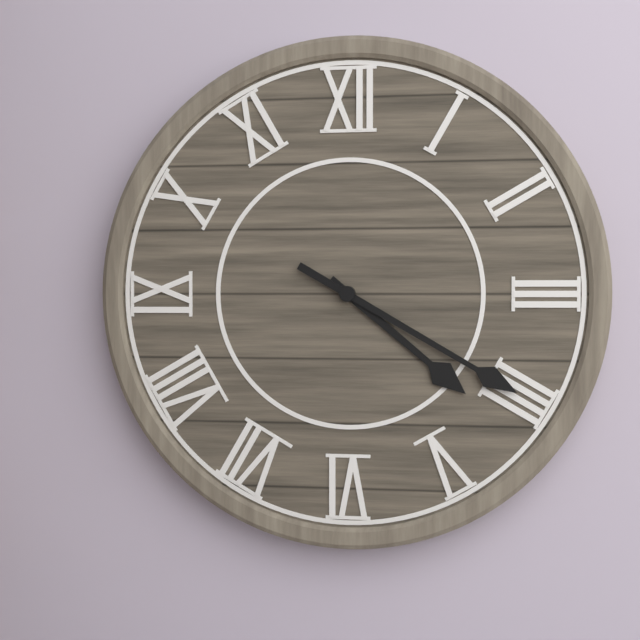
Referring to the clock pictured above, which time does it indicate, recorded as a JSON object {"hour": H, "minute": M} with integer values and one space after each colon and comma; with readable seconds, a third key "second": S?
{"hour": 4, "minute": 20}
